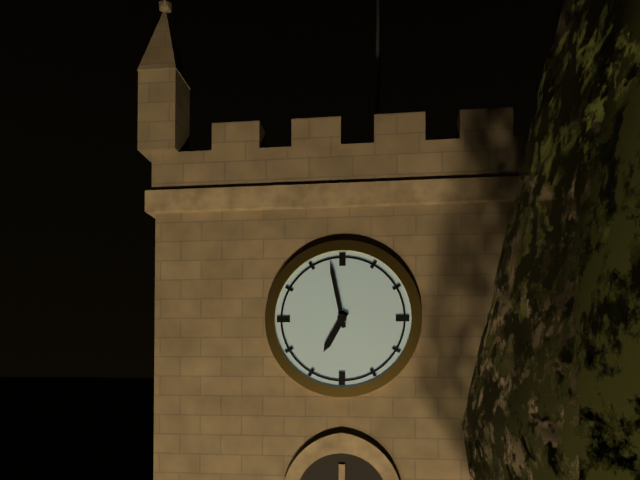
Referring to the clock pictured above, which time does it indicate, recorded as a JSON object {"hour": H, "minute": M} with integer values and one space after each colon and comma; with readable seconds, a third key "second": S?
{"hour": 6, "minute": 58}
